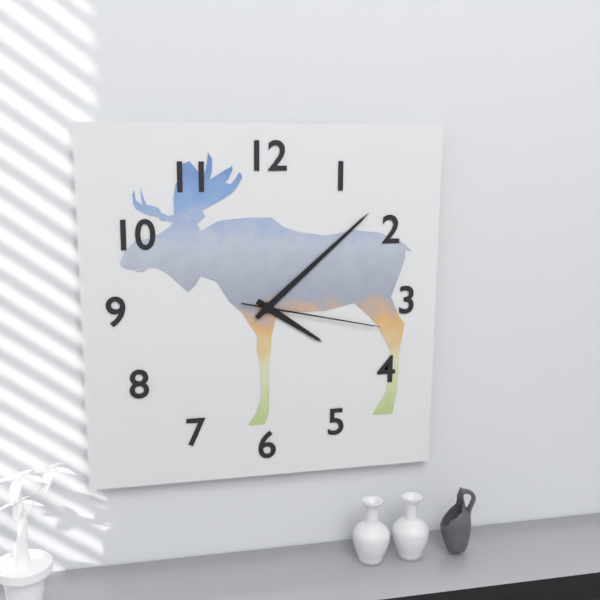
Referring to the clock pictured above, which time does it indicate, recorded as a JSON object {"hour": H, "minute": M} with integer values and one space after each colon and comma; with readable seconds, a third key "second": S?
{"hour": 4, "minute": 8, "second": 17}
